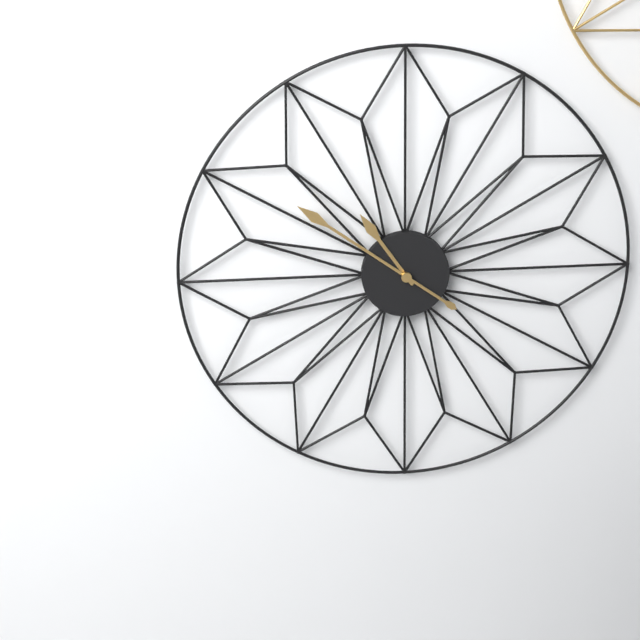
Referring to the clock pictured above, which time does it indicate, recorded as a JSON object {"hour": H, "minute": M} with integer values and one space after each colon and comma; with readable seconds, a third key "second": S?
{"hour": 10, "minute": 51}
